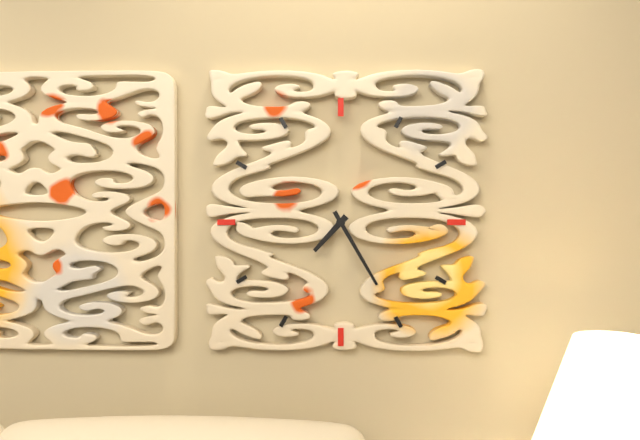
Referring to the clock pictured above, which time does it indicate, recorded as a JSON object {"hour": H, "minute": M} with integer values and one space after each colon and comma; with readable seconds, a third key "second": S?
{"hour": 7, "minute": 25}
